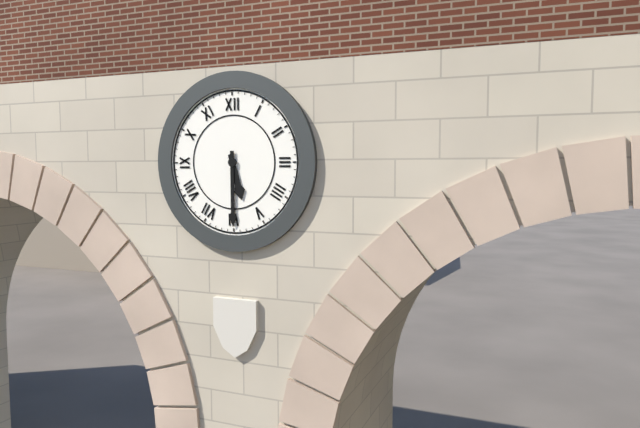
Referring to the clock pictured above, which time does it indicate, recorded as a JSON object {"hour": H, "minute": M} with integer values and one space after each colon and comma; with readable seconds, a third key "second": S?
{"hour": 5, "minute": 30}
